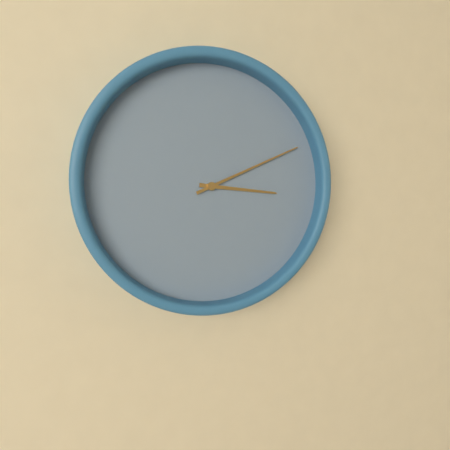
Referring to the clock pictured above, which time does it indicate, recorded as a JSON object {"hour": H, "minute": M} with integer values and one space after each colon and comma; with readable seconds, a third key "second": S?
{"hour": 3, "minute": 11}
